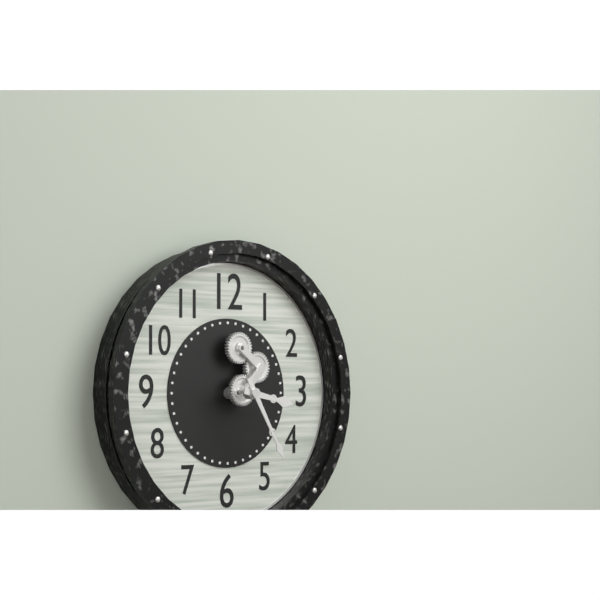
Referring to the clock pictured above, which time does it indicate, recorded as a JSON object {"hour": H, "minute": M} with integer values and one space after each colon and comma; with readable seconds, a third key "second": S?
{"hour": 3, "minute": 25}
